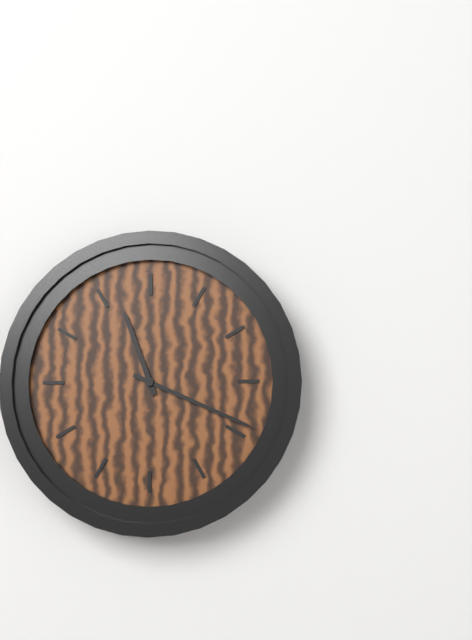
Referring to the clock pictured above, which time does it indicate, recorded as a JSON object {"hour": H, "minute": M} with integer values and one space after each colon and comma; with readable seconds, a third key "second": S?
{"hour": 11, "minute": 19}
